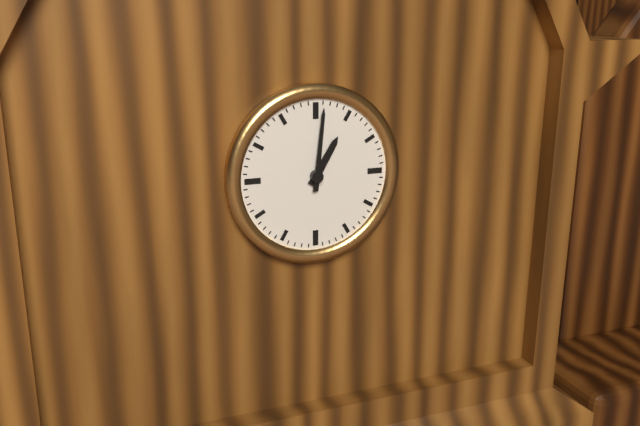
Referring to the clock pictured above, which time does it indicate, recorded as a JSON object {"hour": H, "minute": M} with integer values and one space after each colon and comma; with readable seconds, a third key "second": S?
{"hour": 1, "minute": 1}
